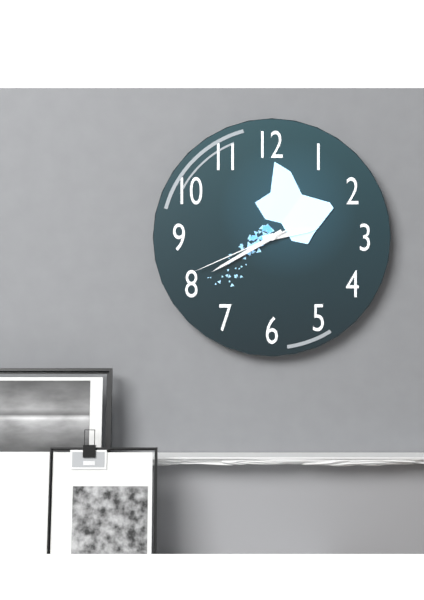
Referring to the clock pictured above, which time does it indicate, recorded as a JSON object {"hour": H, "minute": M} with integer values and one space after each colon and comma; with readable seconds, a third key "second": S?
{"hour": 2, "minute": 40, "second": 41}
